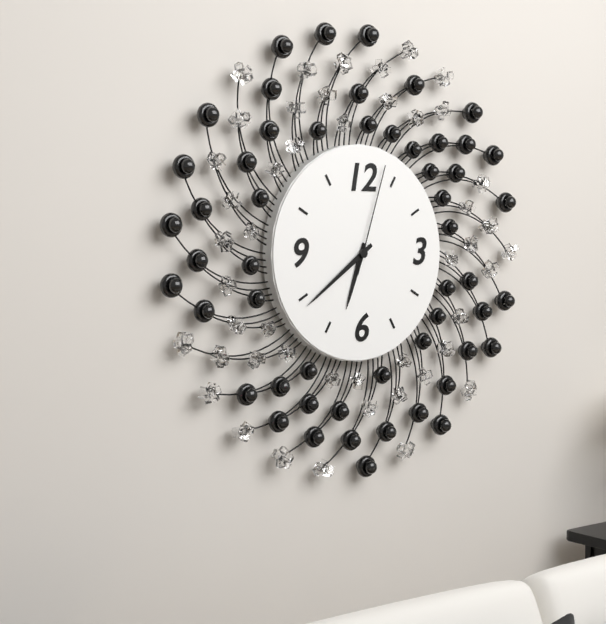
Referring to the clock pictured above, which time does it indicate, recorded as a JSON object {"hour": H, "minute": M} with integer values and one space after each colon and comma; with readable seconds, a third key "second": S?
{"hour": 6, "minute": 39, "second": 3}
